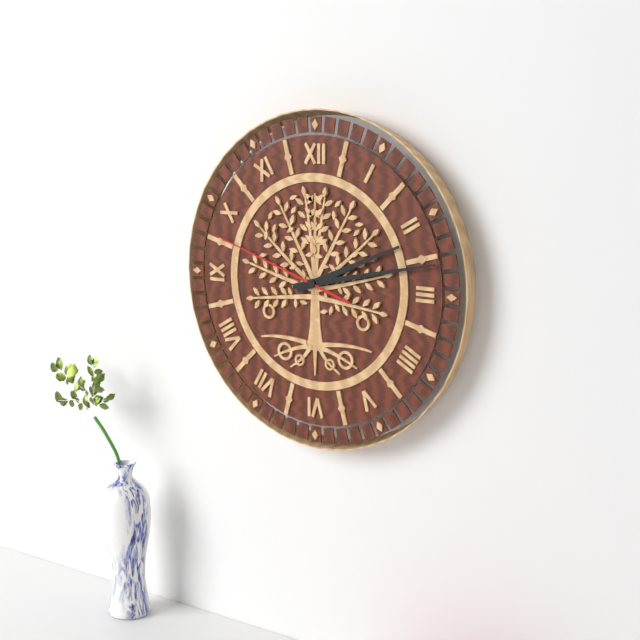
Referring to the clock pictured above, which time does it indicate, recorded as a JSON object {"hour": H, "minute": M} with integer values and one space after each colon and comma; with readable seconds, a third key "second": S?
{"hour": 2, "minute": 13, "second": 48}
